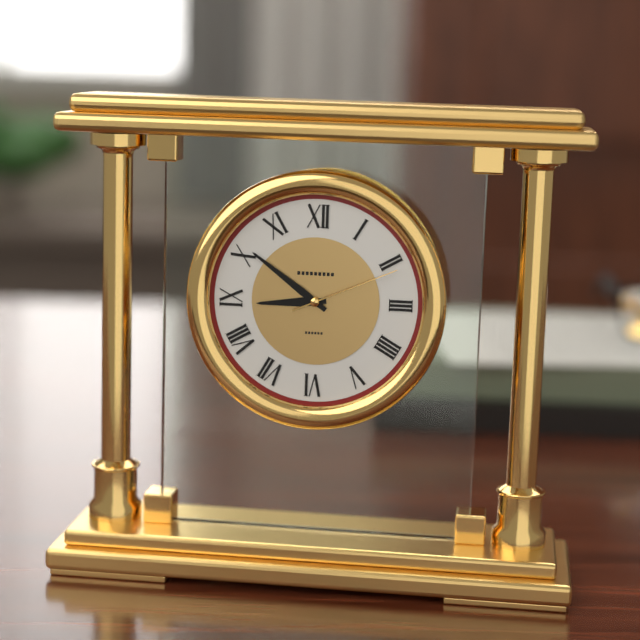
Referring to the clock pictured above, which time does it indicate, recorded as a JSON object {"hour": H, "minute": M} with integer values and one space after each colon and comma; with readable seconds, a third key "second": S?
{"hour": 8, "minute": 51, "second": 11}
